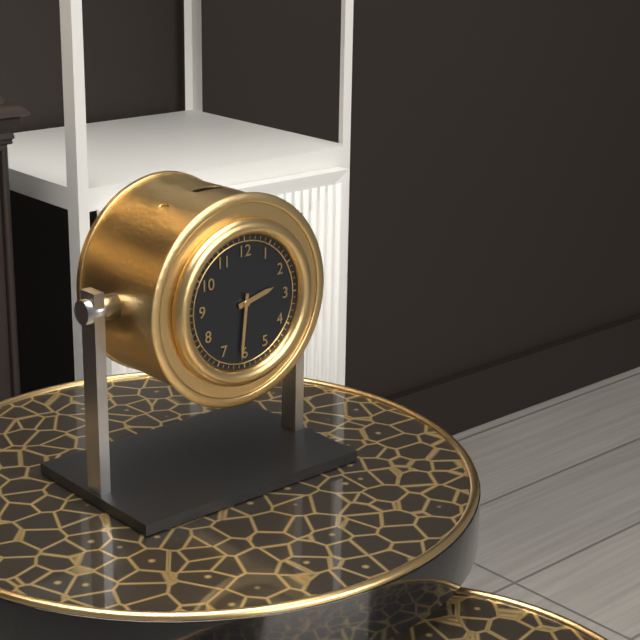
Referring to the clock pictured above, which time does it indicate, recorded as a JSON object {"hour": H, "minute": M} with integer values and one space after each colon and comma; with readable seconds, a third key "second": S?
{"hour": 2, "minute": 31}
